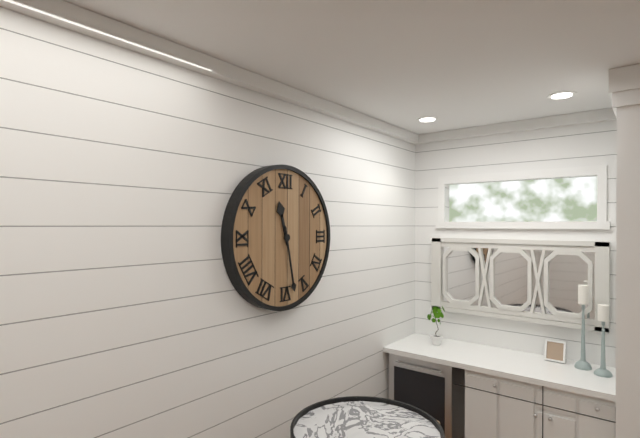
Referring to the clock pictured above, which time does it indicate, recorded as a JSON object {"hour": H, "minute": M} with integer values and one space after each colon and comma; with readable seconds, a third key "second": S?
{"hour": 11, "minute": 28}
